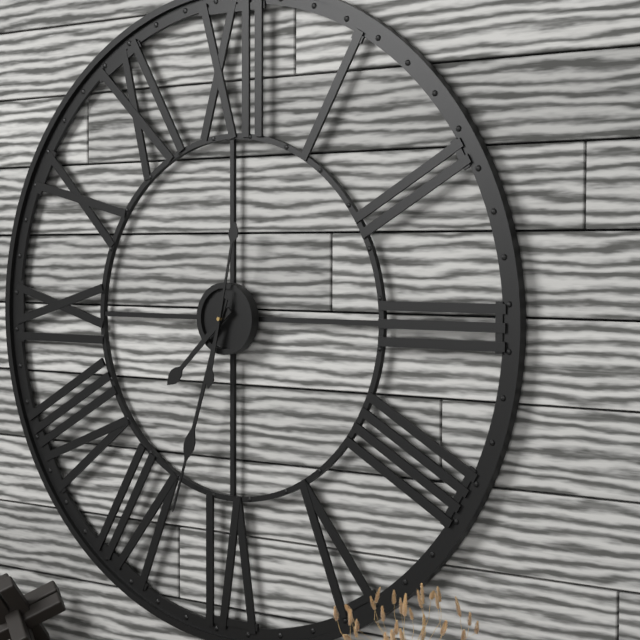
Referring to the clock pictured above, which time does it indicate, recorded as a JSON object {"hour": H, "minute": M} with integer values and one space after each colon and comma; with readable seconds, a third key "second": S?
{"hour": 7, "minute": 33, "second": 2}
